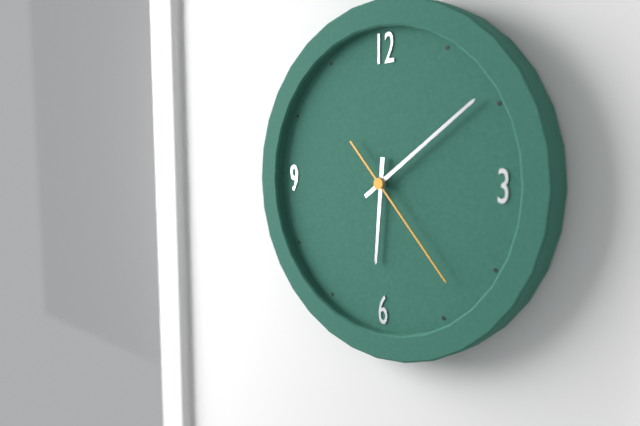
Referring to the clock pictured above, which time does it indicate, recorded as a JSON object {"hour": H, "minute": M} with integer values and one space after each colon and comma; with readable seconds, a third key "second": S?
{"hour": 6, "minute": 9, "second": 23}
